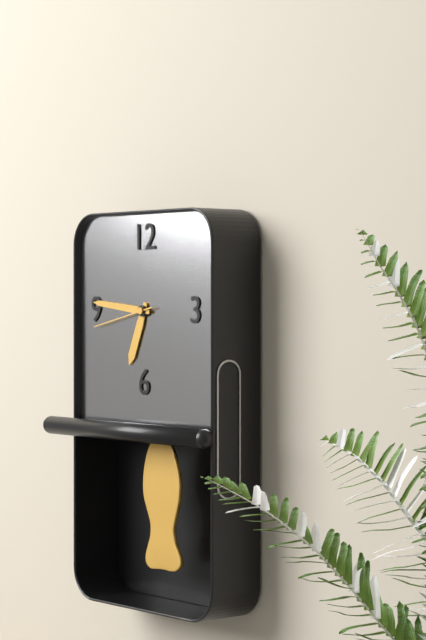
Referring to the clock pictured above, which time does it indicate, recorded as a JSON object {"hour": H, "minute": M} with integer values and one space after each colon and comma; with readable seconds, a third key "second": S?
{"hour": 6, "minute": 46, "second": 43}
